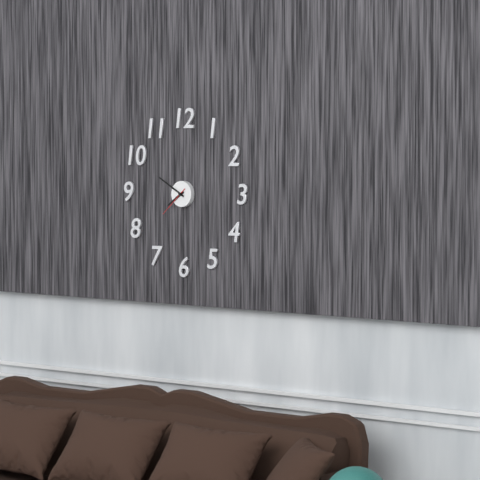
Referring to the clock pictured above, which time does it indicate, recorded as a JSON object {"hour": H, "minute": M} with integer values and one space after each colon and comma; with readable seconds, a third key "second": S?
{"hour": 7, "minute": 50}
